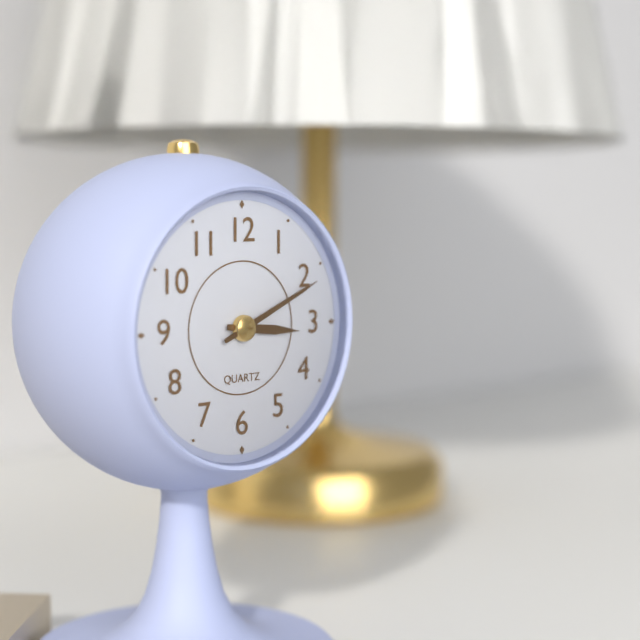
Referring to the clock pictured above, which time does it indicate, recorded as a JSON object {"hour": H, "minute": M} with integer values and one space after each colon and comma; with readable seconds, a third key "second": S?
{"hour": 3, "minute": 11}
